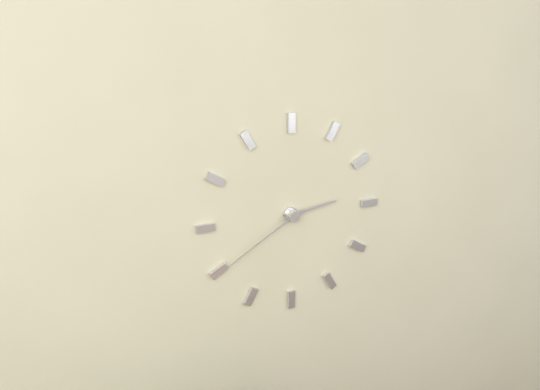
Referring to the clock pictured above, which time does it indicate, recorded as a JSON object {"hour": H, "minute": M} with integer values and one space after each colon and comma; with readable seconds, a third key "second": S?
{"hour": 2, "minute": 40}
